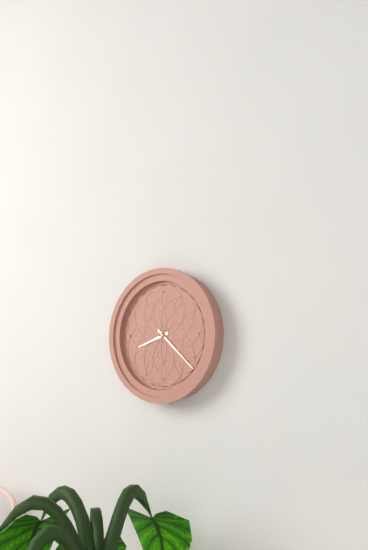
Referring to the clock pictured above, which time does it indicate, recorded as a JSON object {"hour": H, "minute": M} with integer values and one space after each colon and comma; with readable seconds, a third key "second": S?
{"hour": 8, "minute": 22}
